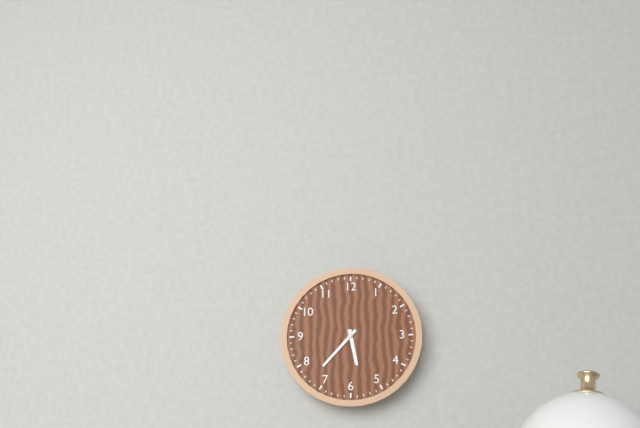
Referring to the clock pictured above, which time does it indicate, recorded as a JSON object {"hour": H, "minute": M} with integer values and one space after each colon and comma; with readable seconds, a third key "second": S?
{"hour": 5, "minute": 37}
